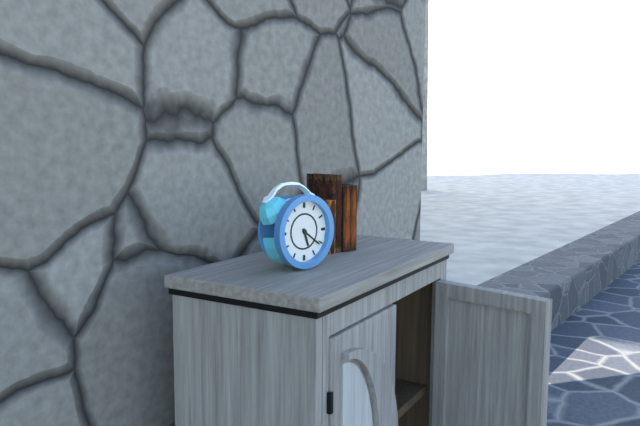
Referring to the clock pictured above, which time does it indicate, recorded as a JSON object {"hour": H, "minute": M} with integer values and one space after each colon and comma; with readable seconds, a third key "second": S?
{"hour": 5, "minute": 21}
